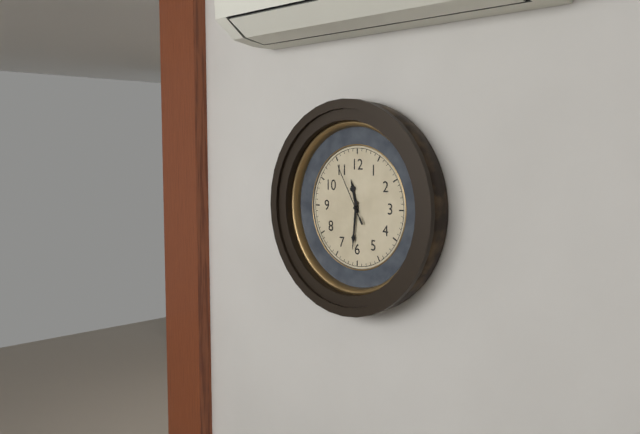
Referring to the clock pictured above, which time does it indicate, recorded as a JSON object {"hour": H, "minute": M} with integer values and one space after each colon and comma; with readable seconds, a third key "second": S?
{"hour": 11, "minute": 31, "second": 55}
